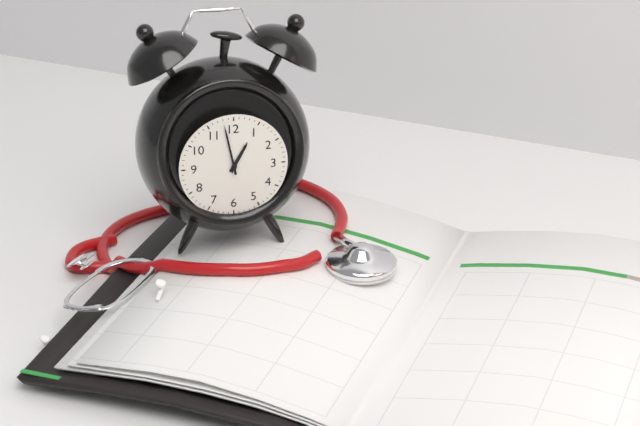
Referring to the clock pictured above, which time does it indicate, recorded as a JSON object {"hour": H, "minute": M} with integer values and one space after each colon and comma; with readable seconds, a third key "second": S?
{"hour": 12, "minute": 58}
